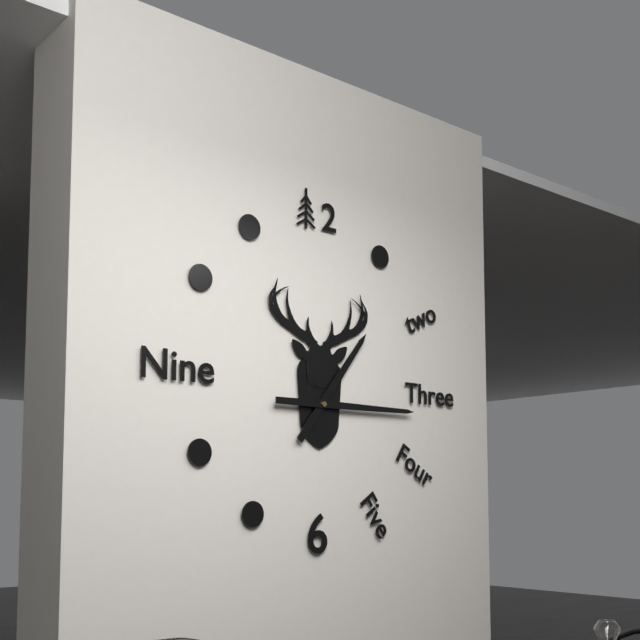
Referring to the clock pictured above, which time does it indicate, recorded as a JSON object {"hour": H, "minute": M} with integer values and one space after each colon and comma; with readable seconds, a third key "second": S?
{"hour": 1, "minute": 15}
